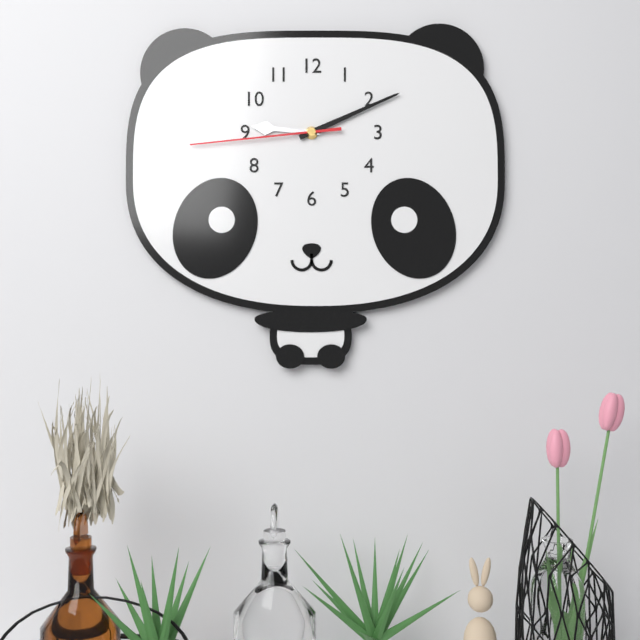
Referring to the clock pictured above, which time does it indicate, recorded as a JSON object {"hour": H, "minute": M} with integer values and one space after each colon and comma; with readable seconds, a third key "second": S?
{"hour": 9, "minute": 11, "second": 44}
